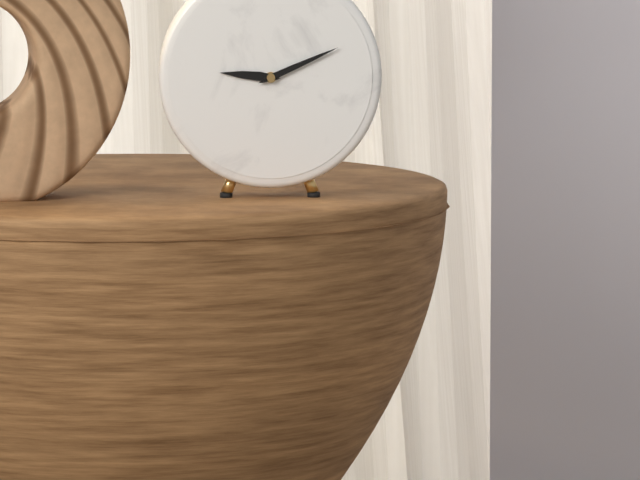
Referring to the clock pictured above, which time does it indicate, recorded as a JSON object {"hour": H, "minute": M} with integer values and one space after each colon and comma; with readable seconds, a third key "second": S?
{"hour": 9, "minute": 11}
